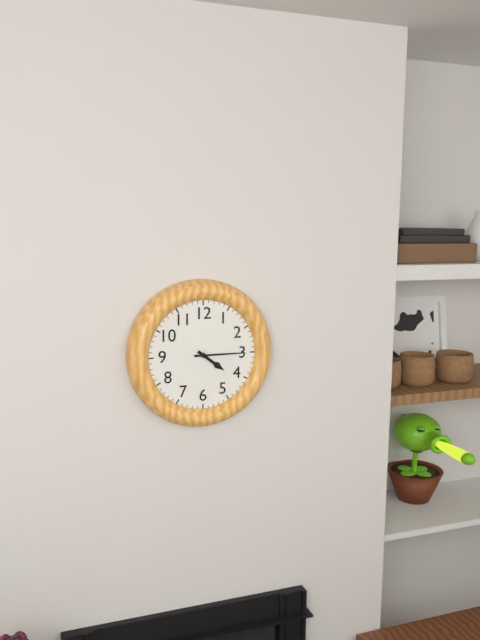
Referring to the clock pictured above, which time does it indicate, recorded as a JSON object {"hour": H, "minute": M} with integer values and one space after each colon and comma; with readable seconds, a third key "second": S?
{"hour": 4, "minute": 15}
